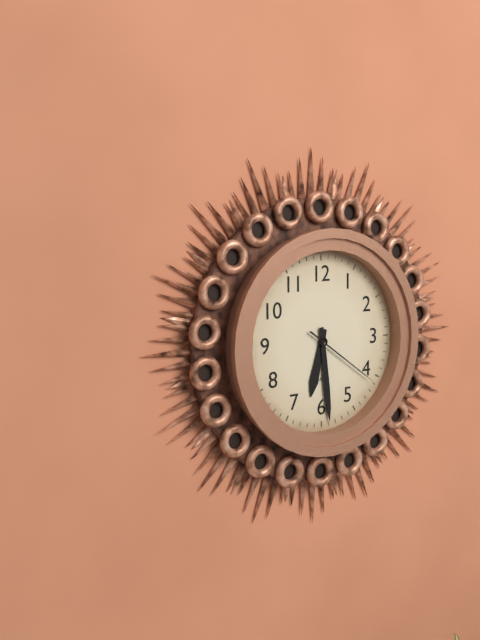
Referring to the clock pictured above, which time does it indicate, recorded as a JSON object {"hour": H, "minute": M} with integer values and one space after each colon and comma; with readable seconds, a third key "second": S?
{"hour": 6, "minute": 29, "second": 21}
